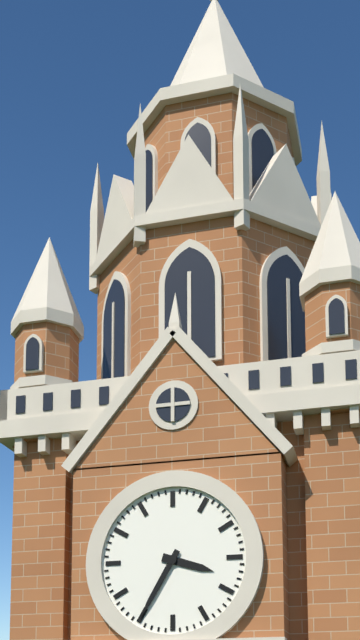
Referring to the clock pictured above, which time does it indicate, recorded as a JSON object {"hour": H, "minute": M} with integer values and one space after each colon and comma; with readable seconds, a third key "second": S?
{"hour": 3, "minute": 35}
